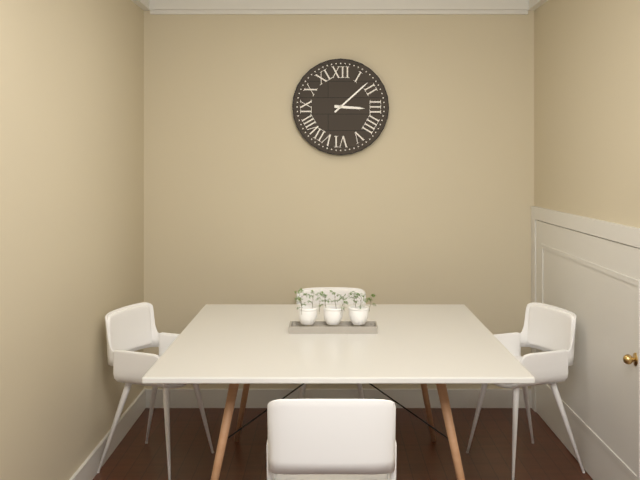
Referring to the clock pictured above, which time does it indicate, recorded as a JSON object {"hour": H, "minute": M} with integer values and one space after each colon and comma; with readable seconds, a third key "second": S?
{"hour": 3, "minute": 8}
